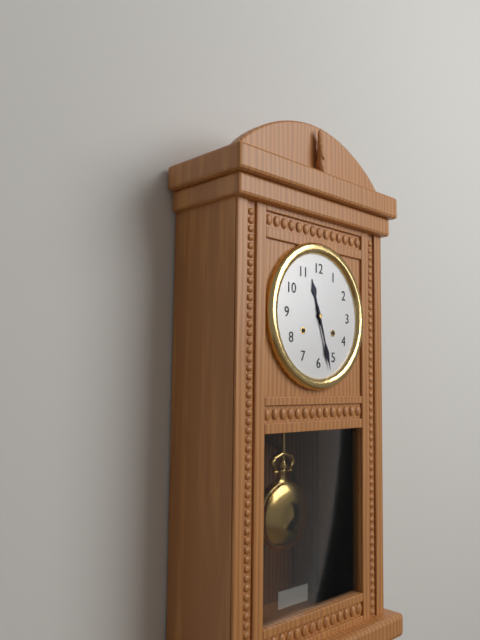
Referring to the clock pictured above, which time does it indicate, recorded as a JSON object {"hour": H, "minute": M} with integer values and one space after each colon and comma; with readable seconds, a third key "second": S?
{"hour": 11, "minute": 27}
